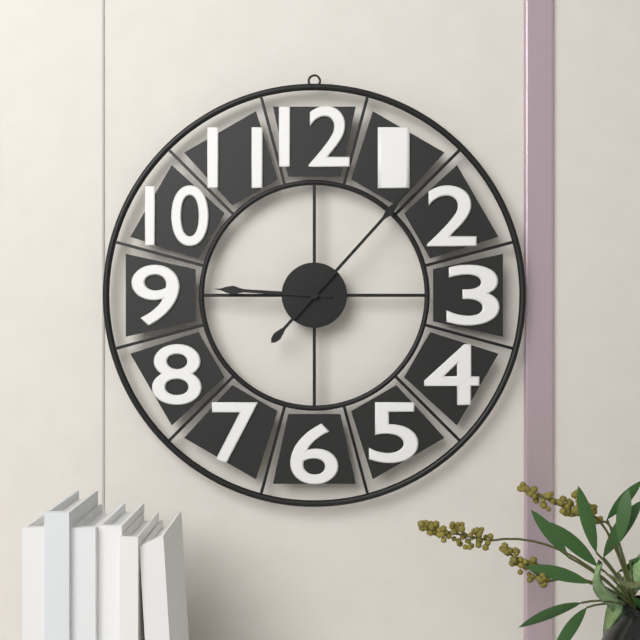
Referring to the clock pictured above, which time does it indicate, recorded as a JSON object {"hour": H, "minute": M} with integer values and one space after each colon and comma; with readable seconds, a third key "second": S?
{"hour": 9, "minute": 7}
